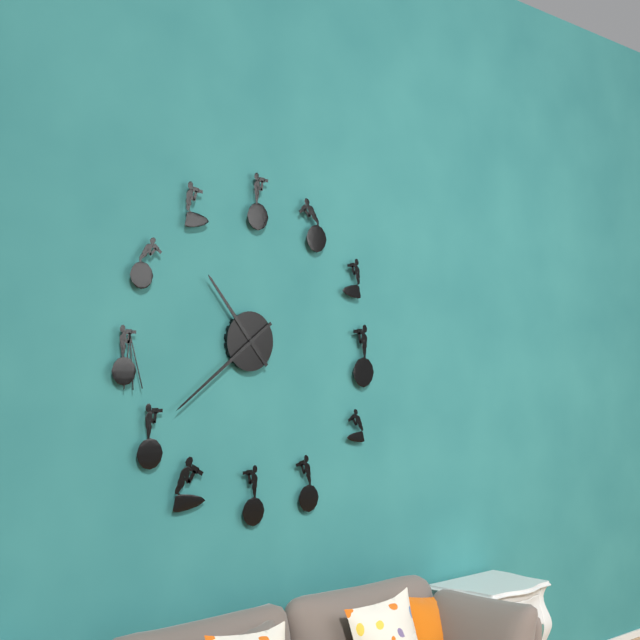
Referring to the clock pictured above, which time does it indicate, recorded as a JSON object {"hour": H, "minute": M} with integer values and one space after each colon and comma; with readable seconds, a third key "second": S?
{"hour": 10, "minute": 39}
